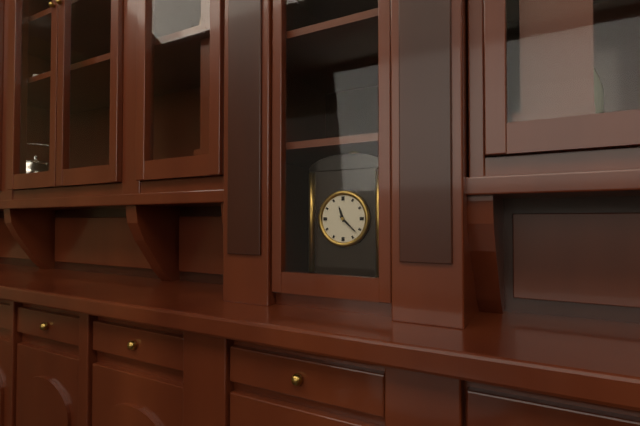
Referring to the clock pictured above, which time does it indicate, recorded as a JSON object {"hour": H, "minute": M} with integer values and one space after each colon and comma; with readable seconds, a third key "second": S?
{"hour": 11, "minute": 22}
